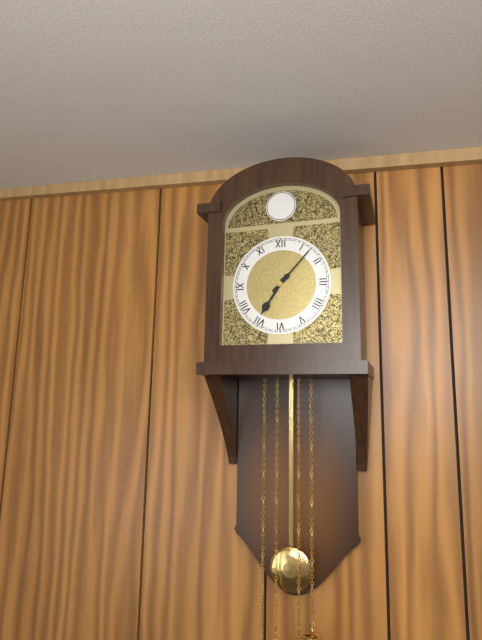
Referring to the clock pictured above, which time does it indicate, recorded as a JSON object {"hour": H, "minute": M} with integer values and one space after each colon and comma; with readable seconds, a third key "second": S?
{"hour": 7, "minute": 7}
